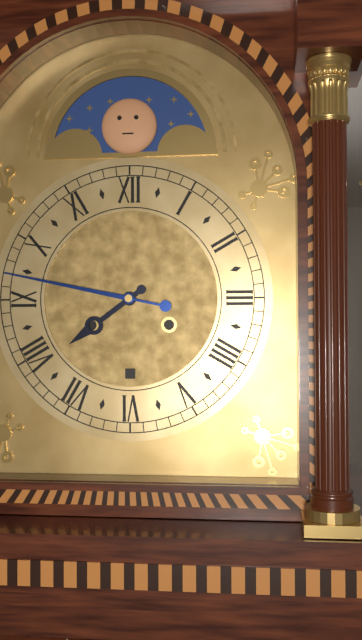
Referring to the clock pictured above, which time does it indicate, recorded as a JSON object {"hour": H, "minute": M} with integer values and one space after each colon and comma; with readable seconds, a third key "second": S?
{"hour": 7, "minute": 47}
